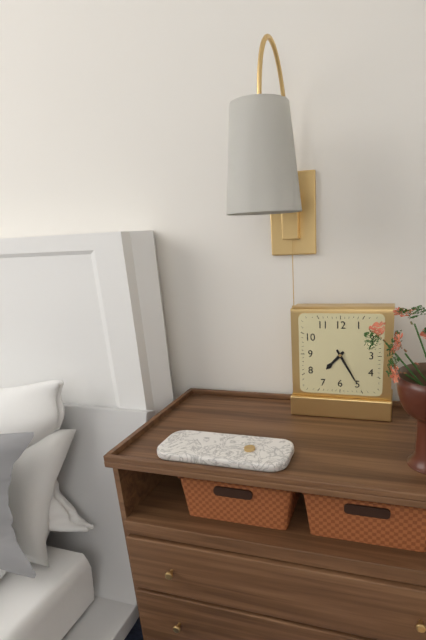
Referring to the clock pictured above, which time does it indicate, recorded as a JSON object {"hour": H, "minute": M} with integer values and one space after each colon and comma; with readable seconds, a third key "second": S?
{"hour": 7, "minute": 25}
